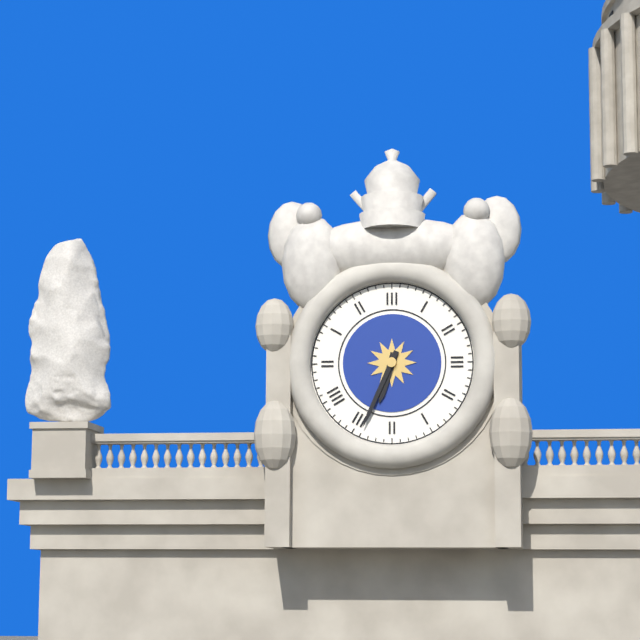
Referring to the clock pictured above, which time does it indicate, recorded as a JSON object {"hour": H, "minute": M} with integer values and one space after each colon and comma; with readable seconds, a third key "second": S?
{"hour": 6, "minute": 34}
